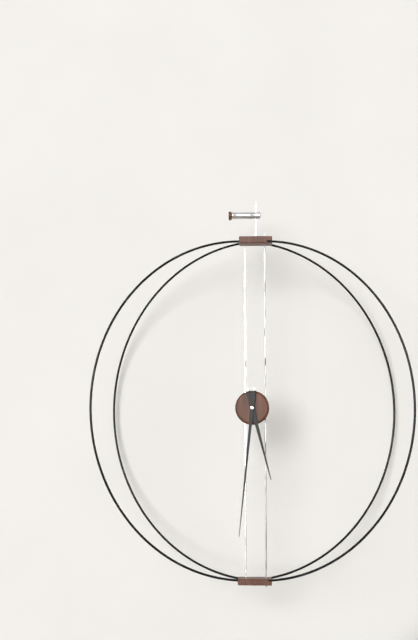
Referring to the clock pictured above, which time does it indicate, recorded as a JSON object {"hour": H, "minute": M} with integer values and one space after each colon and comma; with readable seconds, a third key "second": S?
{"hour": 5, "minute": 31}
